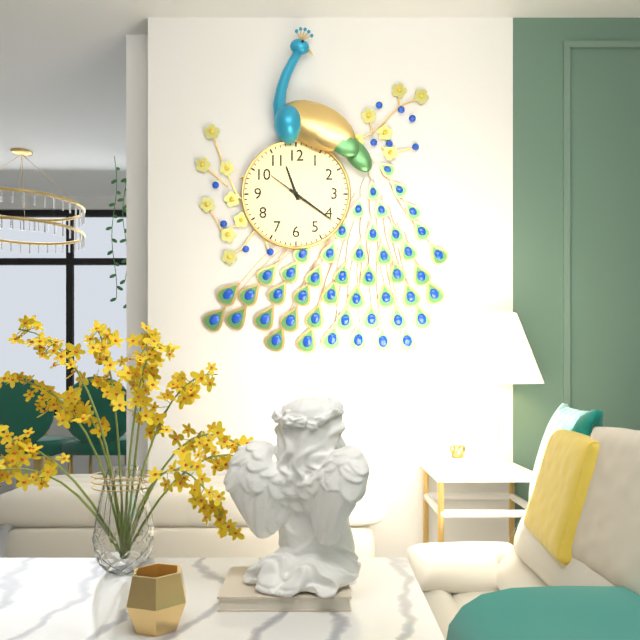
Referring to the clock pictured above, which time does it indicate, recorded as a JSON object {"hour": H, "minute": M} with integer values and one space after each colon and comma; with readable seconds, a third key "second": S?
{"hour": 11, "minute": 21}
